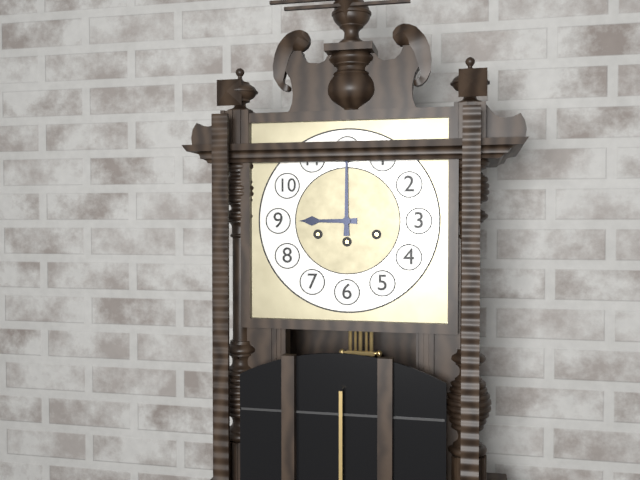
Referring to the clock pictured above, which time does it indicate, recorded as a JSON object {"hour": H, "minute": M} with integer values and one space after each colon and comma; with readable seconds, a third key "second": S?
{"hour": 9, "minute": 0}
